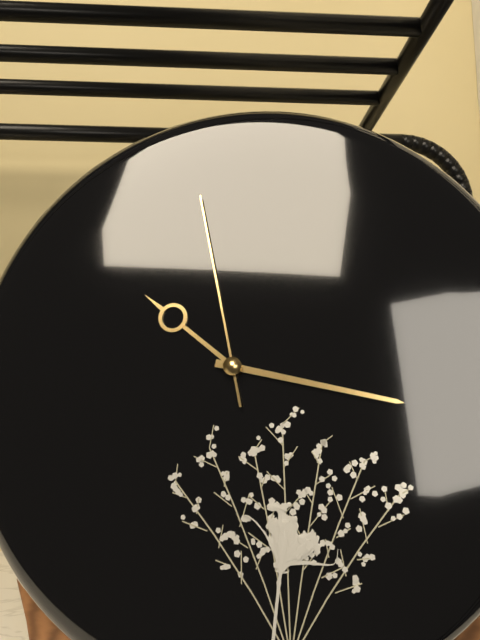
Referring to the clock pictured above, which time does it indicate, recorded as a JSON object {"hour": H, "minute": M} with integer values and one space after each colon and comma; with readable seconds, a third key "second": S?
{"hour": 10, "minute": 17, "second": 58}
